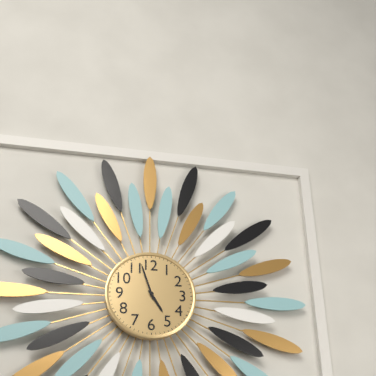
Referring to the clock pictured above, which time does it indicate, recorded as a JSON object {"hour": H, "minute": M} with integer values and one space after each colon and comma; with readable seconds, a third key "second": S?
{"hour": 4, "minute": 57}
